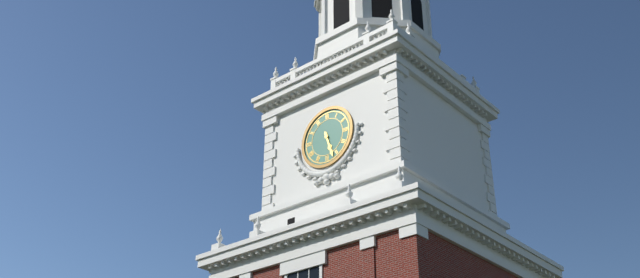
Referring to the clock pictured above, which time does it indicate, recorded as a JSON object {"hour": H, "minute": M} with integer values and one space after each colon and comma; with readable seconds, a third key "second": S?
{"hour": 5, "minute": 27}
